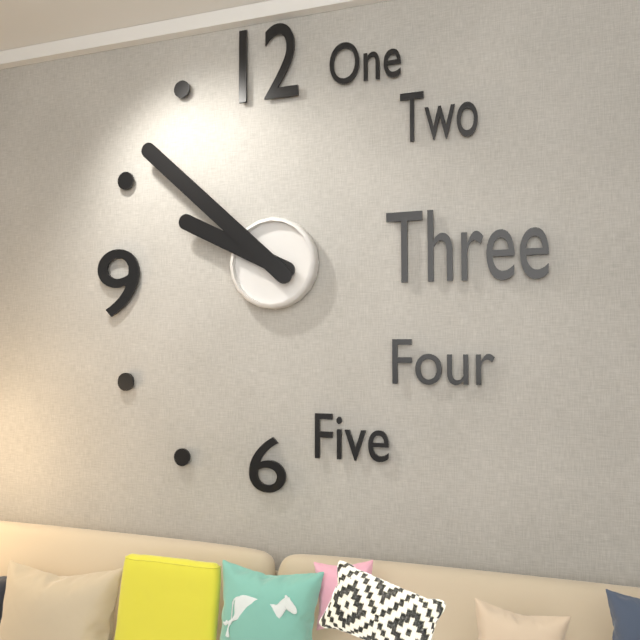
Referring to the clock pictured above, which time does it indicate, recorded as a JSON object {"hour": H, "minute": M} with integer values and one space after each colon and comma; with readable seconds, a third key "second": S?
{"hour": 9, "minute": 52}
